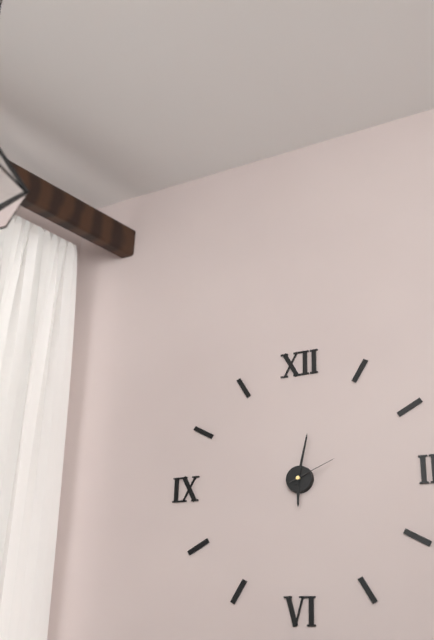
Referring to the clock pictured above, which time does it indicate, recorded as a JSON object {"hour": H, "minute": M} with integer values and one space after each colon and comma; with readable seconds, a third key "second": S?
{"hour": 6, "minute": 2, "second": 11}
